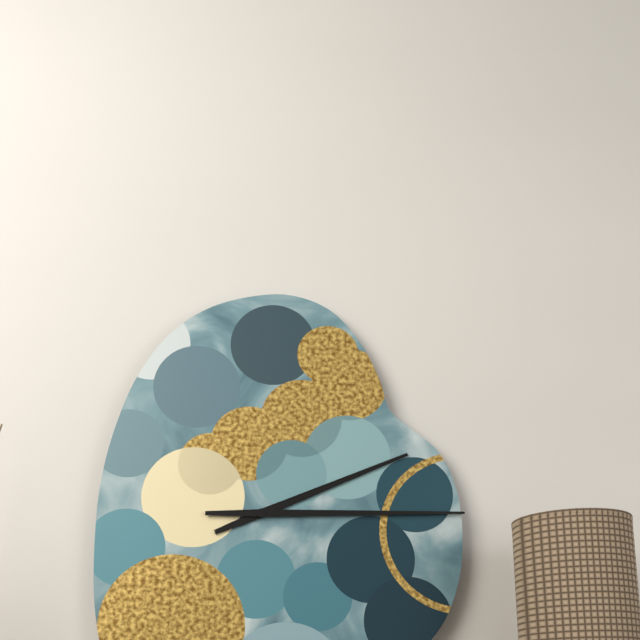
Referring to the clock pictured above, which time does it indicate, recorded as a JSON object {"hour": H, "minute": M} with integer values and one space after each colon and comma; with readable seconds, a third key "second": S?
{"hour": 2, "minute": 15}
